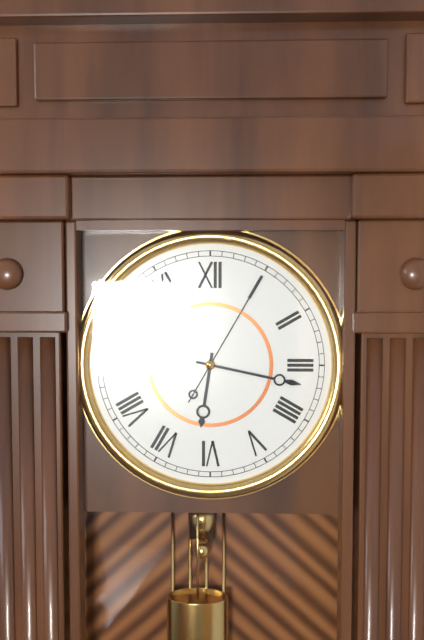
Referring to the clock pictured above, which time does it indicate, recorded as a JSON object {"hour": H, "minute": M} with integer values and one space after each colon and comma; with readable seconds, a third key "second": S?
{"hour": 6, "minute": 17, "second": 5}
